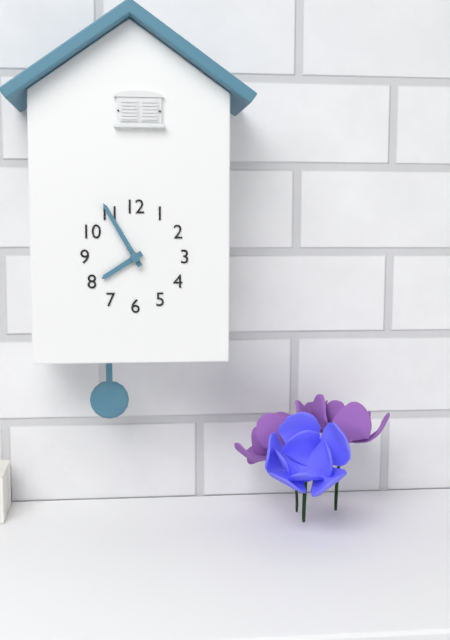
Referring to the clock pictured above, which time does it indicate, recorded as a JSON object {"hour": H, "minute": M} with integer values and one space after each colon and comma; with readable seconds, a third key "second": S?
{"hour": 7, "minute": 55}
